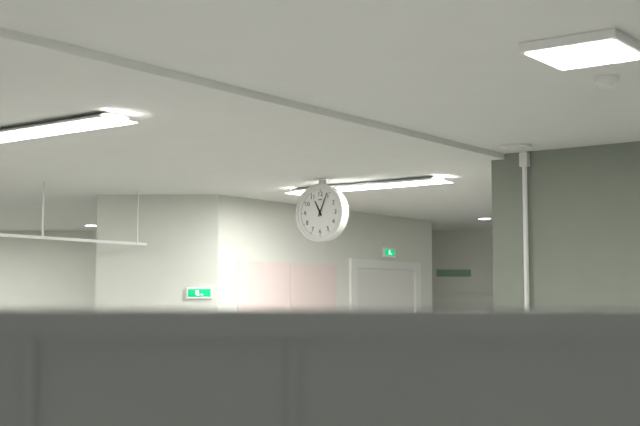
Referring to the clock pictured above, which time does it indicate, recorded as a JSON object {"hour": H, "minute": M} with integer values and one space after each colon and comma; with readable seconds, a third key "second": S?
{"hour": 11, "minute": 4}
